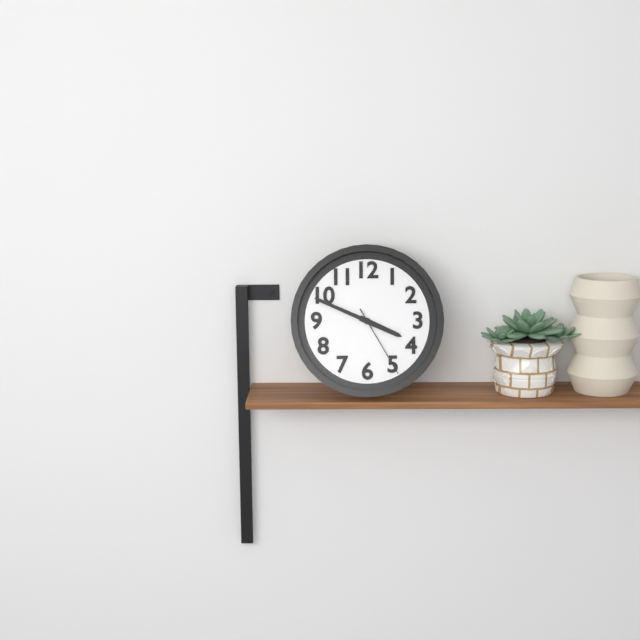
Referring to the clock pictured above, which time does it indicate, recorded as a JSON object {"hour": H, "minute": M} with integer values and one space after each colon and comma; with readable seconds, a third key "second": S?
{"hour": 3, "minute": 49, "second": 25}
